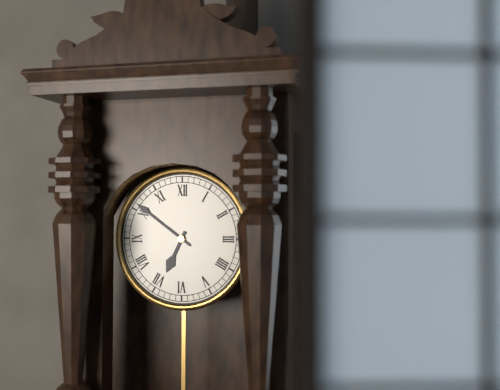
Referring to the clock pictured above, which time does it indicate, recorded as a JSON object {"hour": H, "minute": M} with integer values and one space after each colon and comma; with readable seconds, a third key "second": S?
{"hour": 6, "minute": 51}
